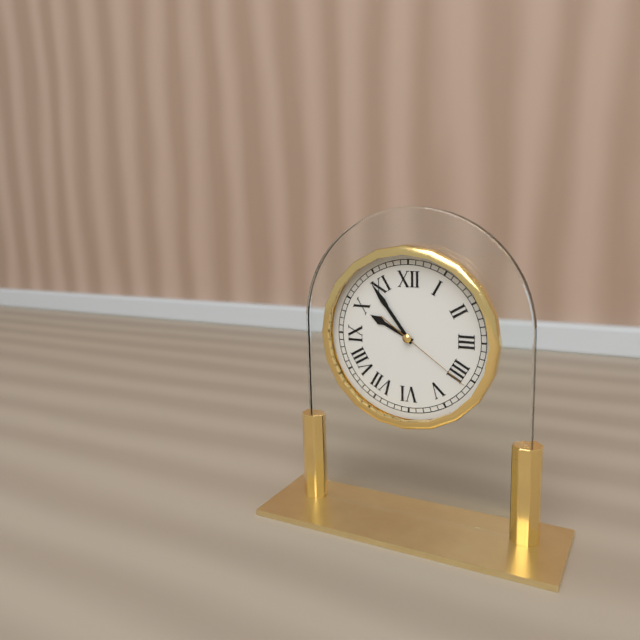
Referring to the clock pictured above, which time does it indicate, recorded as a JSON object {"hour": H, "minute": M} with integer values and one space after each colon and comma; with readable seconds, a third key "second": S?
{"hour": 9, "minute": 54, "second": 21}
